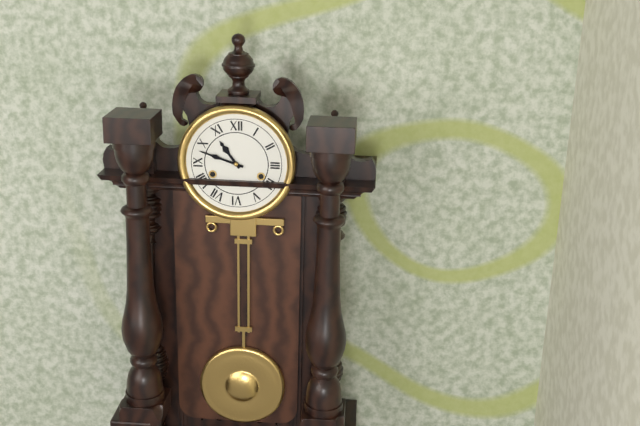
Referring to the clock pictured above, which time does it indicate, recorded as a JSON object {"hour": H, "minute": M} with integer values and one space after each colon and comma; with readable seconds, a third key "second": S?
{"hour": 10, "minute": 48}
